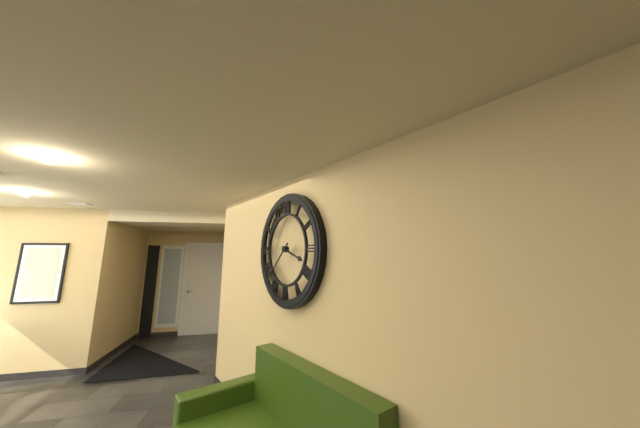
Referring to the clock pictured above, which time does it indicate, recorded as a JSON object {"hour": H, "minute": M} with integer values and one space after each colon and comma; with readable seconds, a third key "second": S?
{"hour": 3, "minute": 38}
